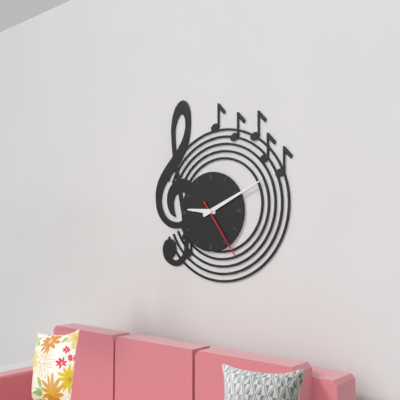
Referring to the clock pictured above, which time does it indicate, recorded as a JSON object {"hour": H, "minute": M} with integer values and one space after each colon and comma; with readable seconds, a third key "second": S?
{"hour": 9, "minute": 11, "second": 24}
